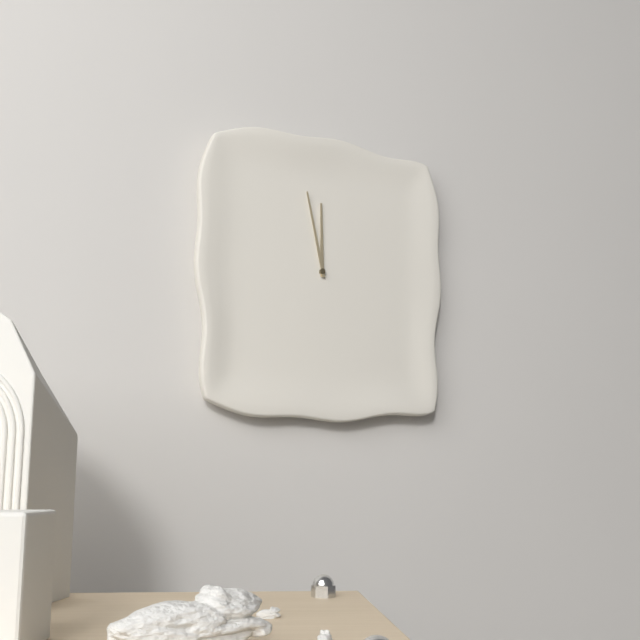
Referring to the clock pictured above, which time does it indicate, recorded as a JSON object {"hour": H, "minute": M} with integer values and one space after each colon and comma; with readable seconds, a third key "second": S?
{"hour": 11, "minute": 58}
